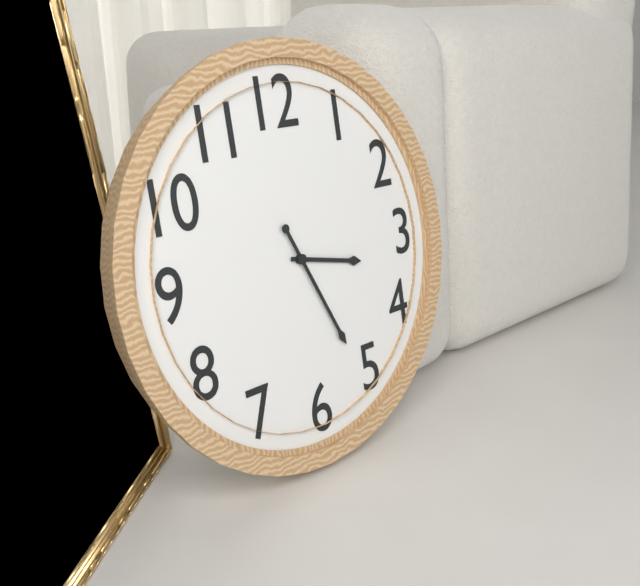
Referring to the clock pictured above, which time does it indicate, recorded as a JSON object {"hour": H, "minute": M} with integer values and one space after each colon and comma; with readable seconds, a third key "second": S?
{"hour": 3, "minute": 26}
